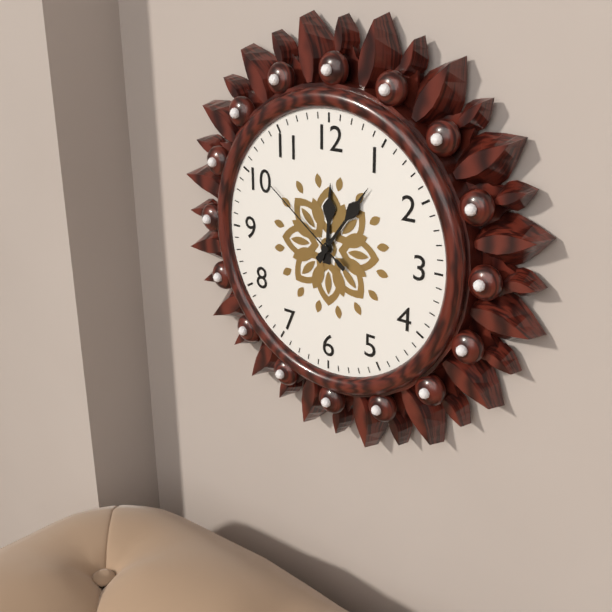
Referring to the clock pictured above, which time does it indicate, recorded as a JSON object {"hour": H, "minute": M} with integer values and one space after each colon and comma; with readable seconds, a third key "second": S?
{"hour": 12, "minute": 6, "second": 51}
